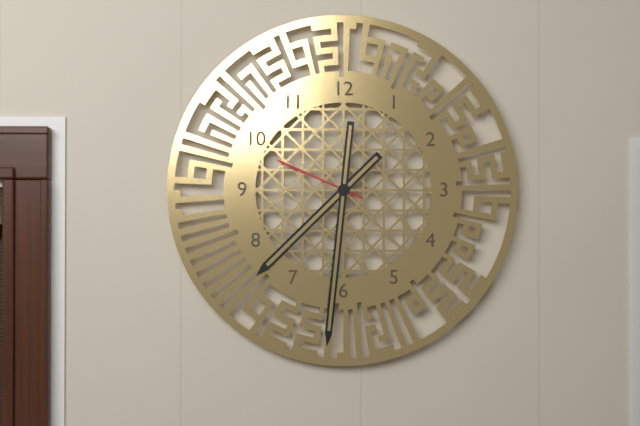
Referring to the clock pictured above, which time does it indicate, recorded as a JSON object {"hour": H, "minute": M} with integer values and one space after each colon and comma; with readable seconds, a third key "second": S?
{"hour": 7, "minute": 31, "second": 49}
